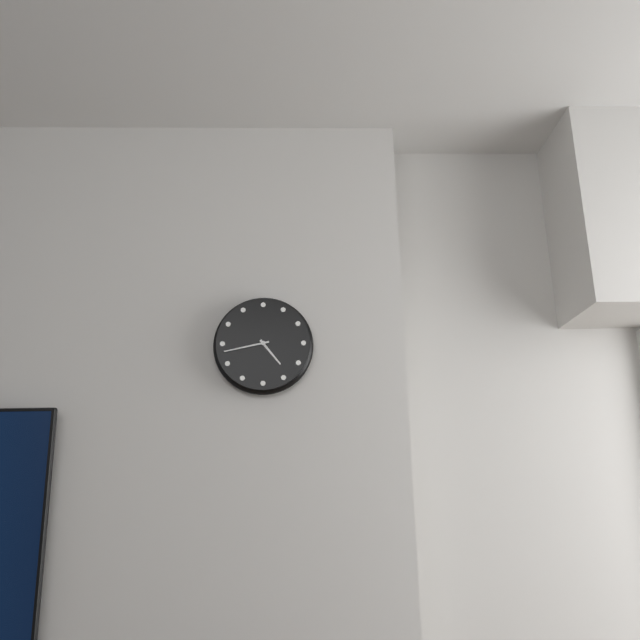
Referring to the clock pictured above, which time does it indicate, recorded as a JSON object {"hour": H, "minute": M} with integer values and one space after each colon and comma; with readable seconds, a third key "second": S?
{"hour": 4, "minute": 43}
